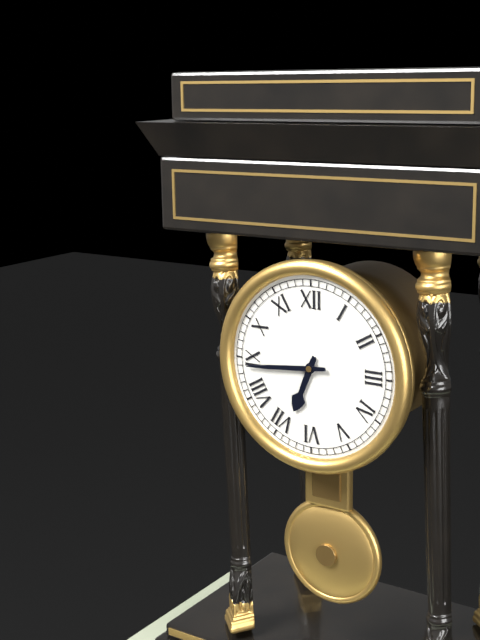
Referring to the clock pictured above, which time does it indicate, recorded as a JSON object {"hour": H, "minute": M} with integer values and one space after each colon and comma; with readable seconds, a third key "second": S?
{"hour": 6, "minute": 44}
